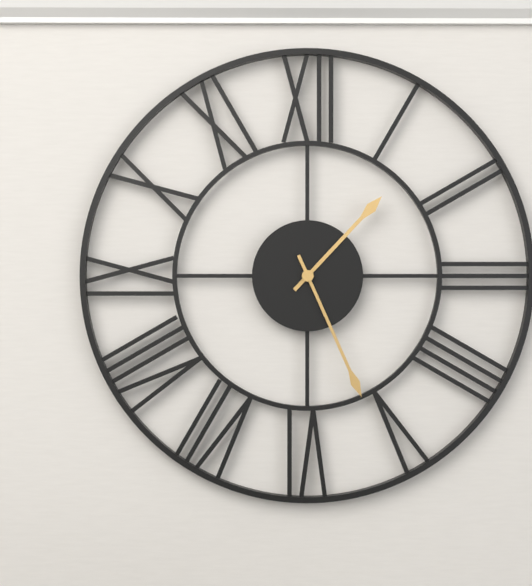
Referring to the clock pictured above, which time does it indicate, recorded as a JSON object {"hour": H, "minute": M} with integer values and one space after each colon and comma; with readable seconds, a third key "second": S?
{"hour": 1, "minute": 26}
